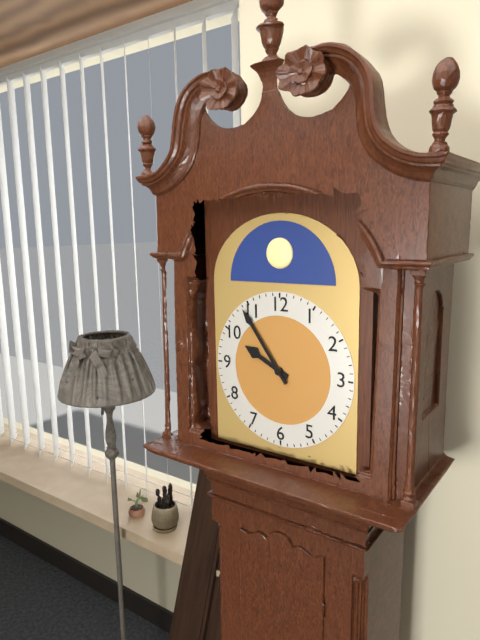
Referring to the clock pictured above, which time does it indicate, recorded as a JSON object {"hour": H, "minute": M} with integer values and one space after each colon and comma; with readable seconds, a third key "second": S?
{"hour": 9, "minute": 54}
